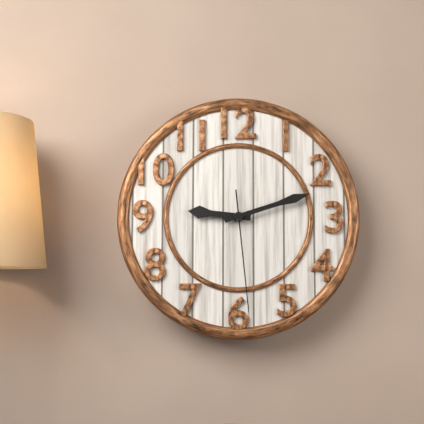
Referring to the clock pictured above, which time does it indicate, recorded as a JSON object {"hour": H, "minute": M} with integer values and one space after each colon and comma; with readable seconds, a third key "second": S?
{"hour": 9, "minute": 12, "second": 29}
